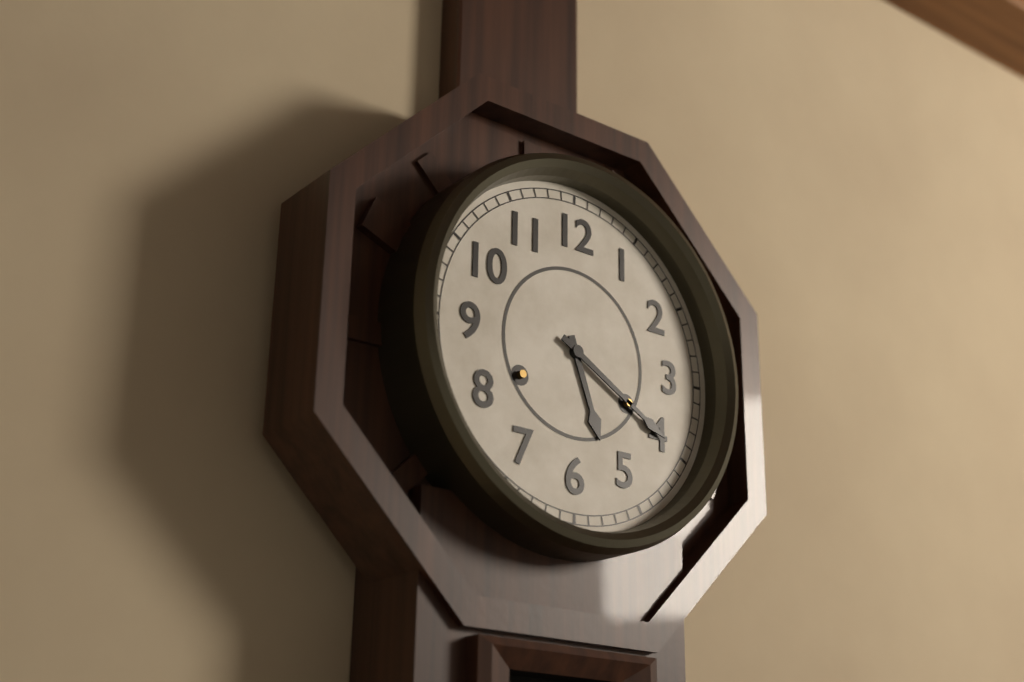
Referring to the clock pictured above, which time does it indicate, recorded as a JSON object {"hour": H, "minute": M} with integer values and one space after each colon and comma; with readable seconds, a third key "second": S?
{"hour": 5, "minute": 20}
